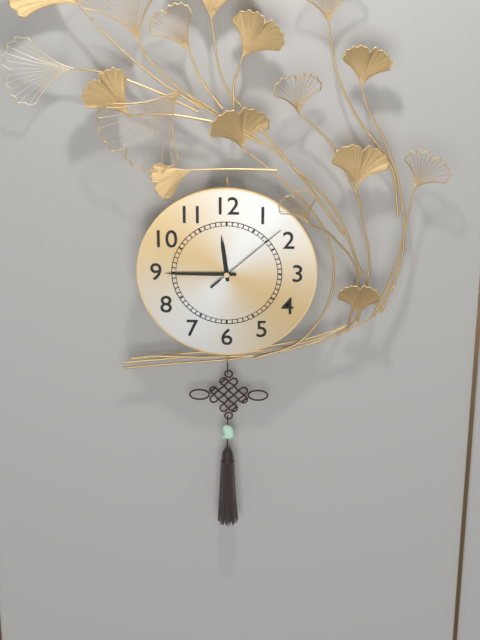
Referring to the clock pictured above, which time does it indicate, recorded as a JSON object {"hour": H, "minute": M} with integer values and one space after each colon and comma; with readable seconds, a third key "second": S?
{"hour": 11, "minute": 45, "second": 8}
